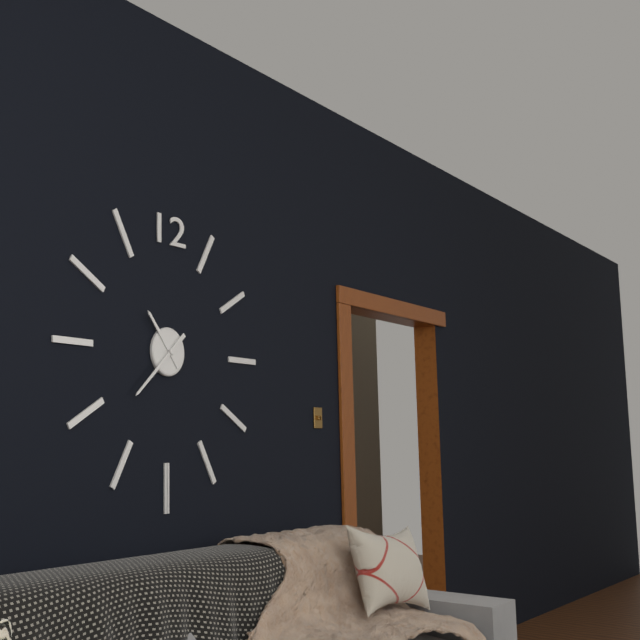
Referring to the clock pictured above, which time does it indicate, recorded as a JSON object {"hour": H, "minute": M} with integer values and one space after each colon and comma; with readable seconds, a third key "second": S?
{"hour": 10, "minute": 38}
